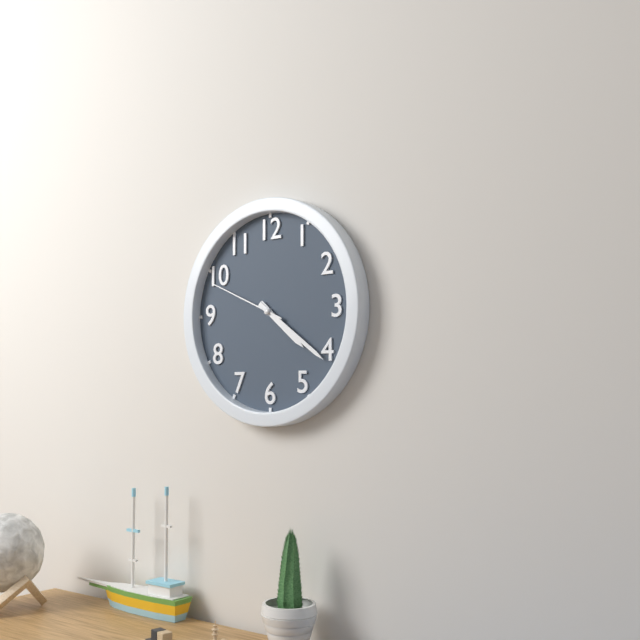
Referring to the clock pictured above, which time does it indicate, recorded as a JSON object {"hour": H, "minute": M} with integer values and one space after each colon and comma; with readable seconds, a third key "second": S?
{"hour": 4, "minute": 21, "second": 49}
